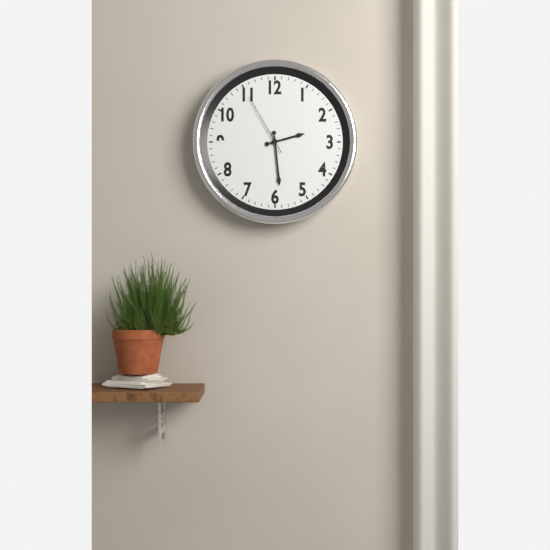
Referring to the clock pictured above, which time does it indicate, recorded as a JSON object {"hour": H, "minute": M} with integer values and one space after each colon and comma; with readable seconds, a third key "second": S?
{"hour": 2, "minute": 29, "second": 55}
